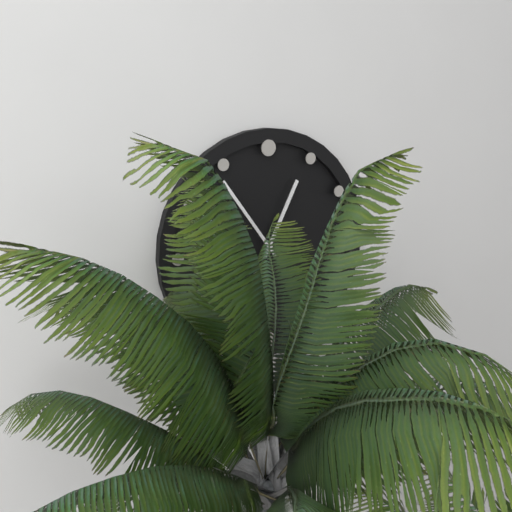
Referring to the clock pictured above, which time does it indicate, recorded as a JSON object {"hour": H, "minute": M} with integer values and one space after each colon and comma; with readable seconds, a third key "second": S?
{"hour": 12, "minute": 54}
